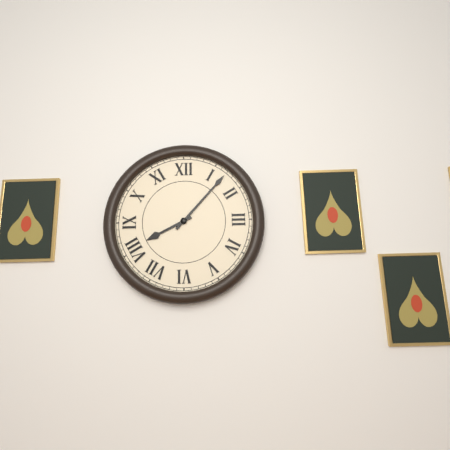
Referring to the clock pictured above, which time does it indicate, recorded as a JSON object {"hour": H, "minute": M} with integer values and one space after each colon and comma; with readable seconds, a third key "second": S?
{"hour": 8, "minute": 7}
